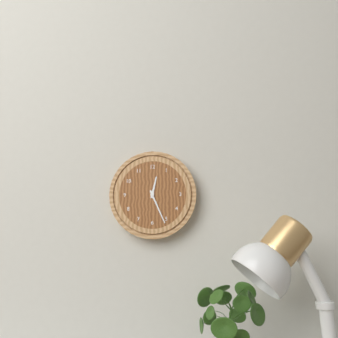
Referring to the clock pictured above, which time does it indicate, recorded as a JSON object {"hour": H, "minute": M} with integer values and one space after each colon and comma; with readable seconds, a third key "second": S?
{"hour": 12, "minute": 26}
